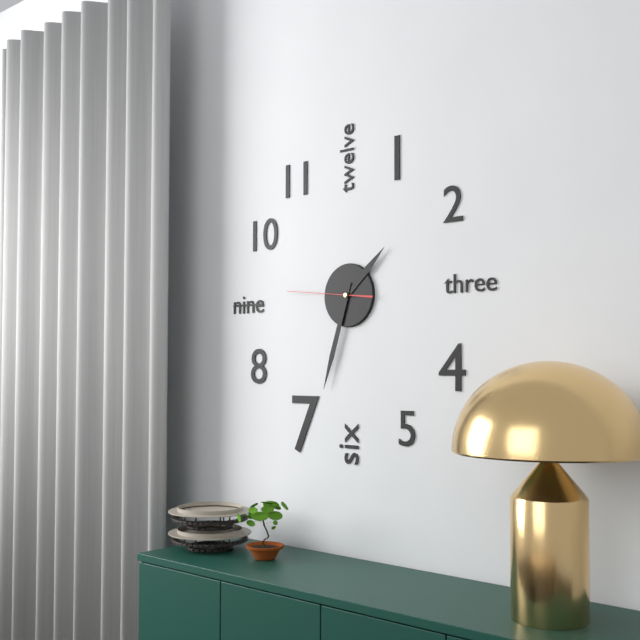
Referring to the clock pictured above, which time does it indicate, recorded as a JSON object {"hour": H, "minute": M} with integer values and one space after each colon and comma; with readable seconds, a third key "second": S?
{"hour": 1, "minute": 33, "second": 46}
